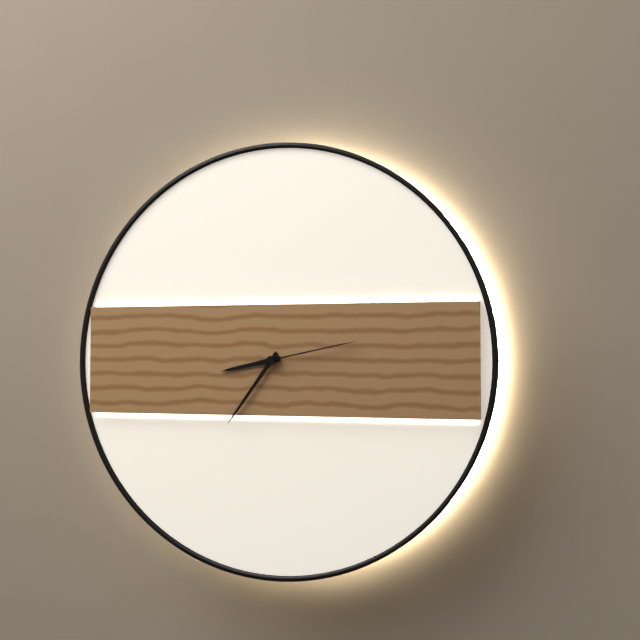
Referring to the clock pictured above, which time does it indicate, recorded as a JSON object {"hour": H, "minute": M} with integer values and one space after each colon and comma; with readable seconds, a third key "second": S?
{"hour": 8, "minute": 36, "second": 13}
